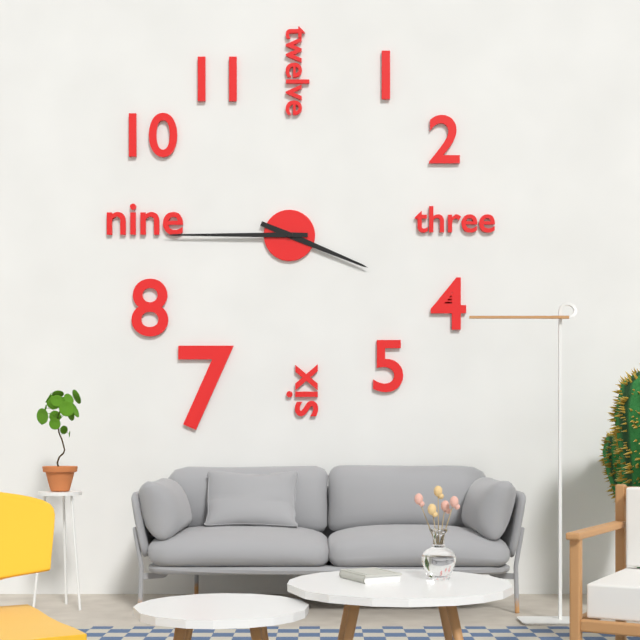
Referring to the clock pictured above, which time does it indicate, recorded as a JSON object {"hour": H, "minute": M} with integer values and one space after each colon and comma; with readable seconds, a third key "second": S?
{"hour": 3, "minute": 45}
